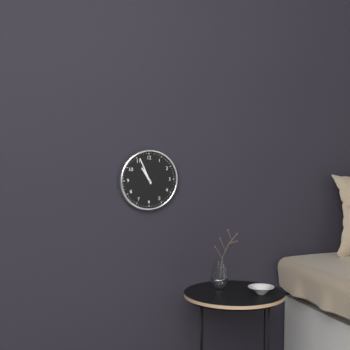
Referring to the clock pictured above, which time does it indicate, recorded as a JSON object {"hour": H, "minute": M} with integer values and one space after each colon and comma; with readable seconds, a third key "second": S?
{"hour": 10, "minute": 56}
